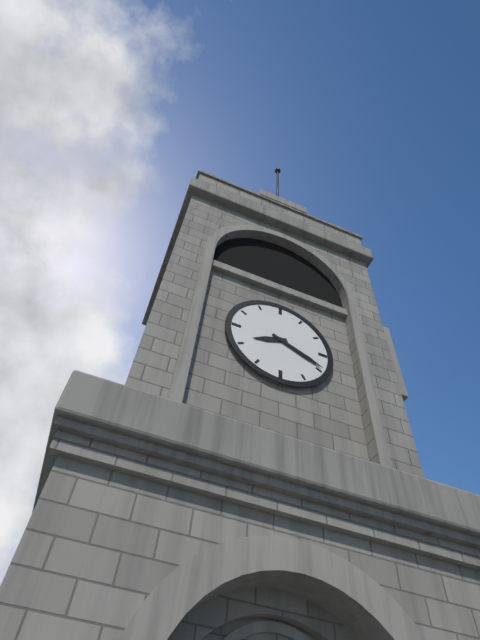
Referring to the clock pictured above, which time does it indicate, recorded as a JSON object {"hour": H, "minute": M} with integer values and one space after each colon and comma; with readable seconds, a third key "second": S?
{"hour": 8, "minute": 19}
